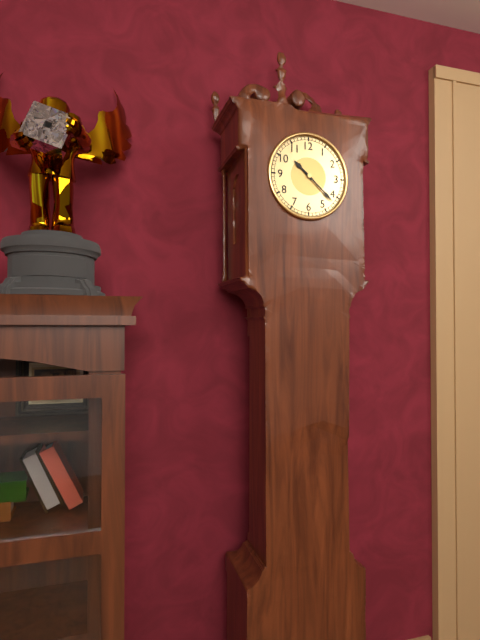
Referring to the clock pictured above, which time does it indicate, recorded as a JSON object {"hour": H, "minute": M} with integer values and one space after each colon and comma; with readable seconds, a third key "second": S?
{"hour": 10, "minute": 22}
